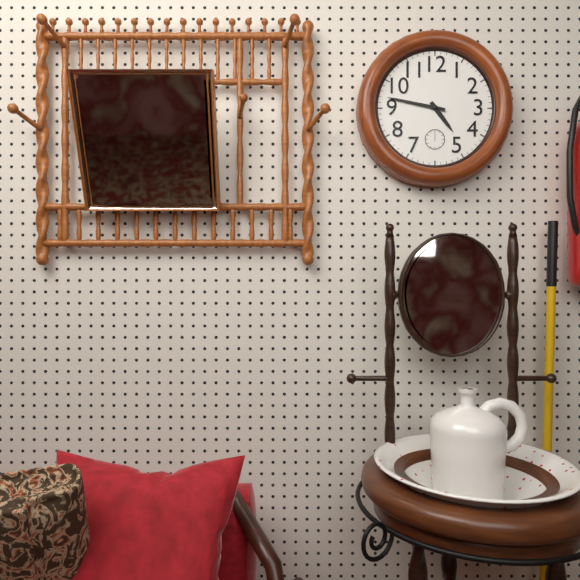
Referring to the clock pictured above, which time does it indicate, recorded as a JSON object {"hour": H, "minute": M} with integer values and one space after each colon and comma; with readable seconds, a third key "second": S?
{"hour": 4, "minute": 47}
